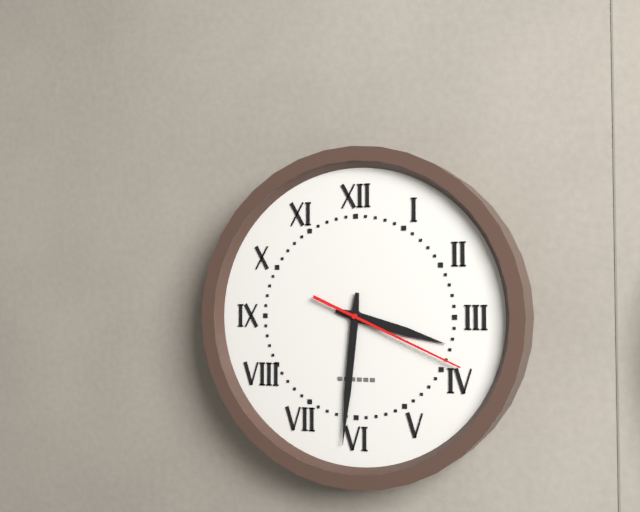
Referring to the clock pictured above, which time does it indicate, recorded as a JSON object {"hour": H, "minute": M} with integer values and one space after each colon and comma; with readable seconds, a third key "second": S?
{"hour": 3, "minute": 31, "second": 19}
